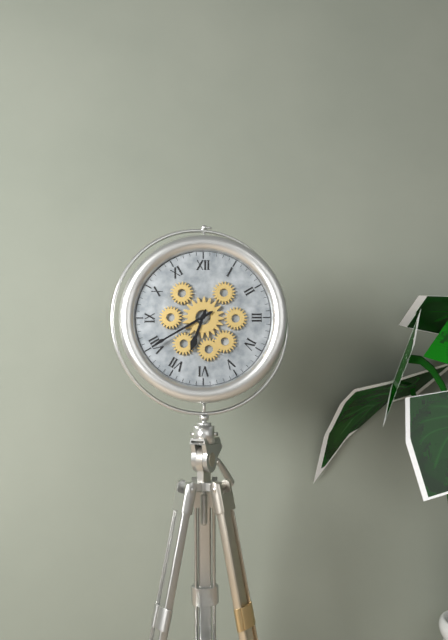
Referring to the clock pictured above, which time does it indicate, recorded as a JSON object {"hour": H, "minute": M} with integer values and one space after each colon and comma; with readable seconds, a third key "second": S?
{"hour": 6, "minute": 40}
